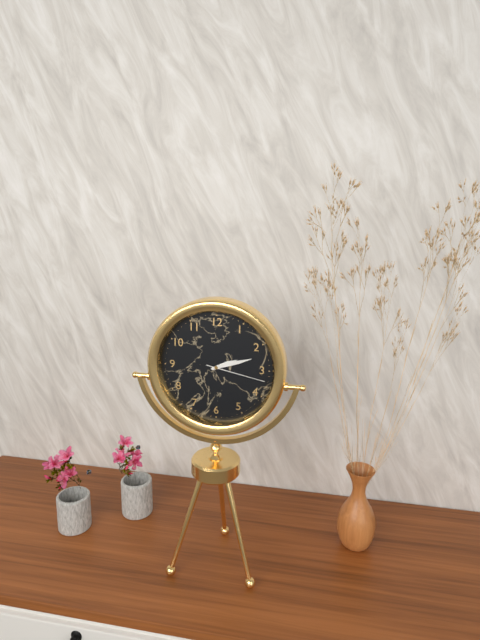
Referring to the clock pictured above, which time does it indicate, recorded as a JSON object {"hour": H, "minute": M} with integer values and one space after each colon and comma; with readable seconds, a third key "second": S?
{"hour": 2, "minute": 12, "second": 17}
